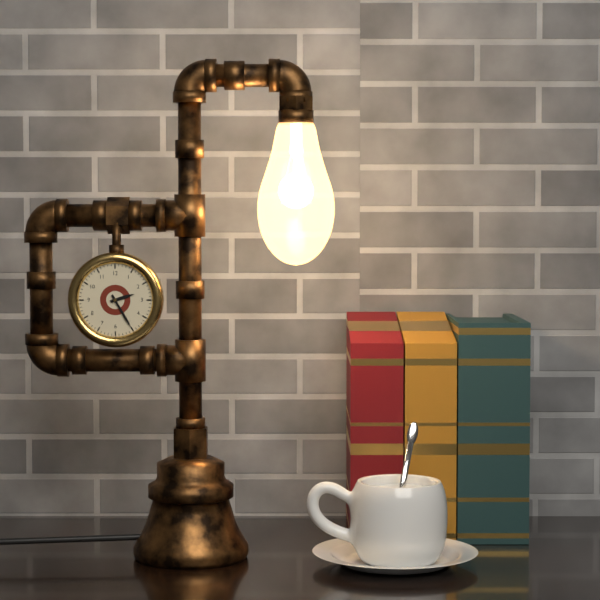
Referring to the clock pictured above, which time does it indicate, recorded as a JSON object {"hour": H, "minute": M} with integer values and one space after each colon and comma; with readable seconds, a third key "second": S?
{"hour": 2, "minute": 25}
